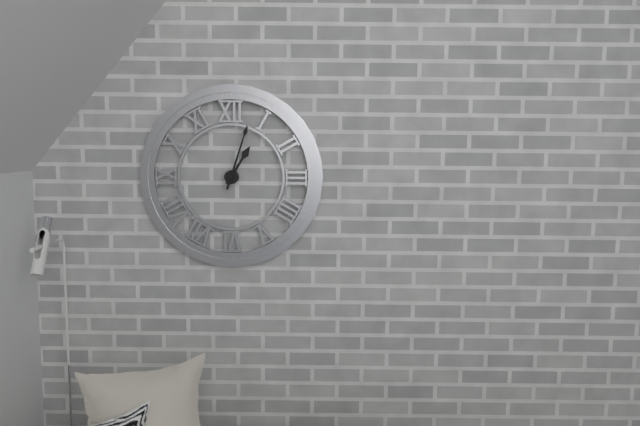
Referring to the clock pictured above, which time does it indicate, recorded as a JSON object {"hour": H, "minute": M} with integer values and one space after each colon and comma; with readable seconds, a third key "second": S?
{"hour": 1, "minute": 3}
